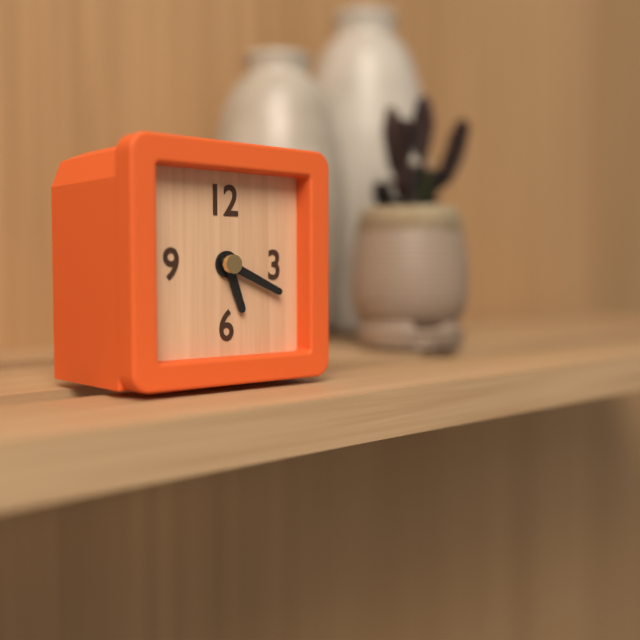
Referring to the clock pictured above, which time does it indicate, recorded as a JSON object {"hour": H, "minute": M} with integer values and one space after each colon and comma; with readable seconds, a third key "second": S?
{"hour": 5, "minute": 19}
